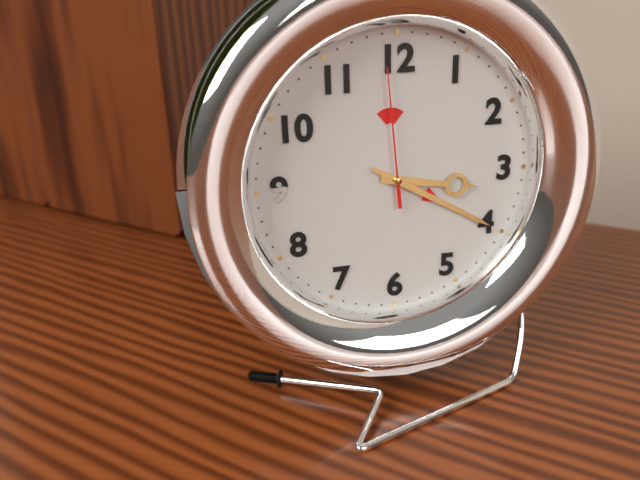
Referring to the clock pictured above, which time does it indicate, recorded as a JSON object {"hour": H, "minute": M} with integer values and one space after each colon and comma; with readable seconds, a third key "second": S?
{"hour": 3, "minute": 20, "second": 59}
